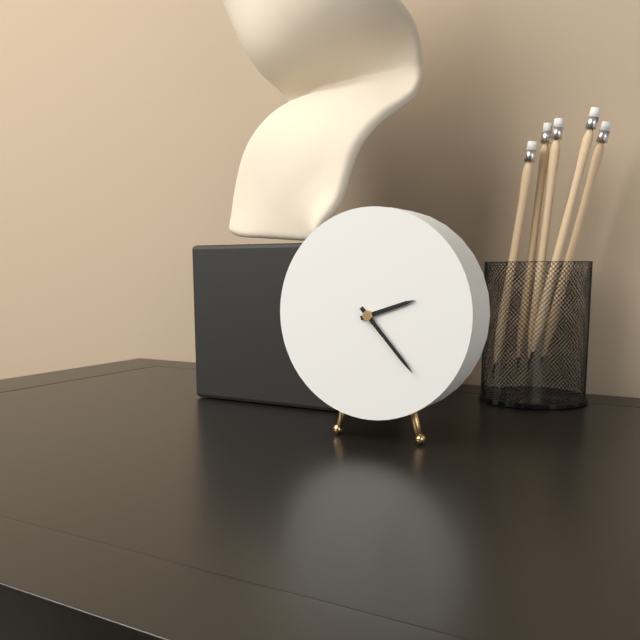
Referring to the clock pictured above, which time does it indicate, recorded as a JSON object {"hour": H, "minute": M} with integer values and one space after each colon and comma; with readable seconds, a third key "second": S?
{"hour": 2, "minute": 23}
